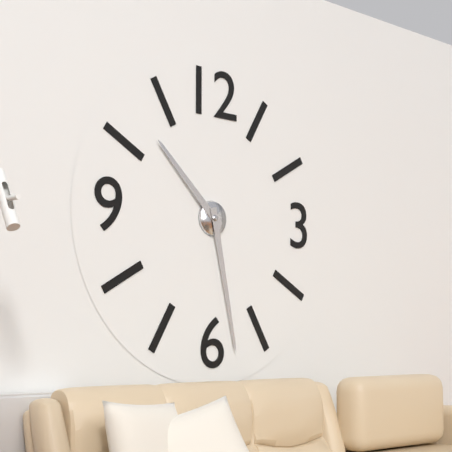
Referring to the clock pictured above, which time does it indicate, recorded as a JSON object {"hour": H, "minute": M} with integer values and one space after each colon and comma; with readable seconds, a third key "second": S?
{"hour": 10, "minute": 28}
